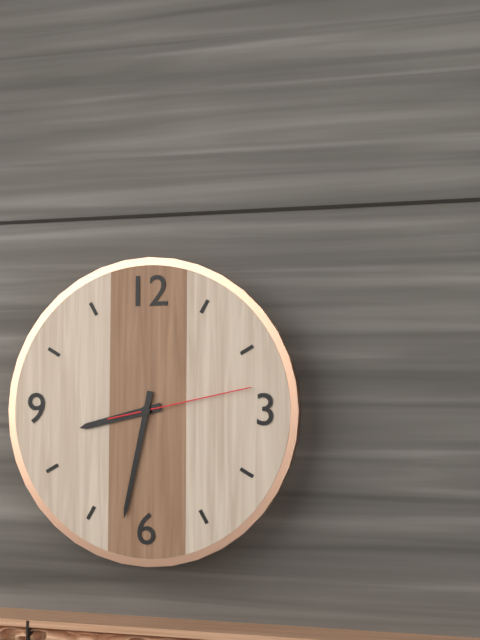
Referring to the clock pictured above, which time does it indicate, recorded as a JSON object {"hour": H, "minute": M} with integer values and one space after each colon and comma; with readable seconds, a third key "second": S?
{"hour": 8, "minute": 32, "second": 13}
